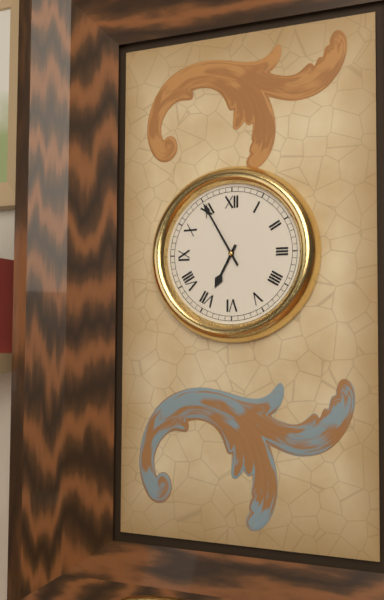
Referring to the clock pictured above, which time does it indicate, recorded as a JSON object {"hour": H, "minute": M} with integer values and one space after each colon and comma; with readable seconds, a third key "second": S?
{"hour": 6, "minute": 55}
